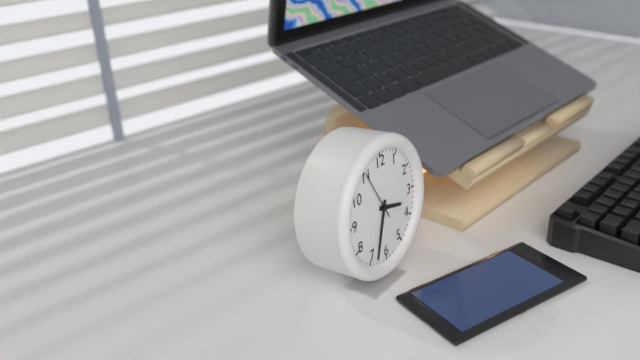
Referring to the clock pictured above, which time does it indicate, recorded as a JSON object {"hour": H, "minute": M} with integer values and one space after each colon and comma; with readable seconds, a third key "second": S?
{"hour": 3, "minute": 33, "second": 55}
